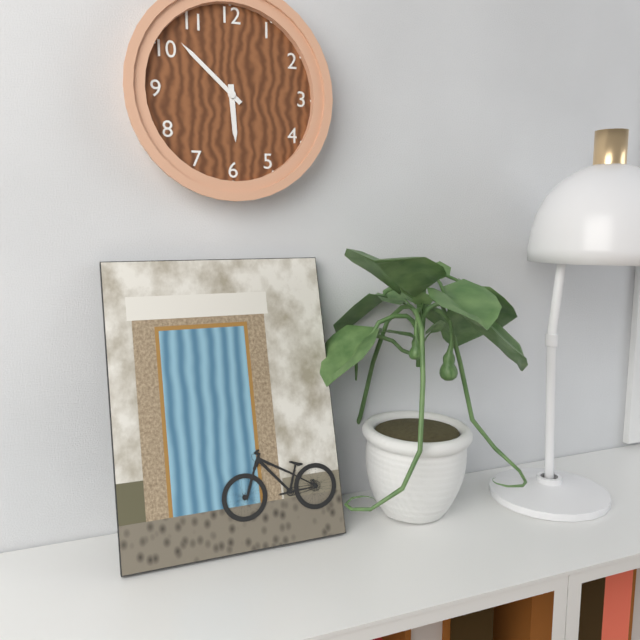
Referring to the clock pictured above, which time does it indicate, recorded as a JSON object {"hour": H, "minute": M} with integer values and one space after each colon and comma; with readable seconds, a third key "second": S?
{"hour": 5, "minute": 52}
